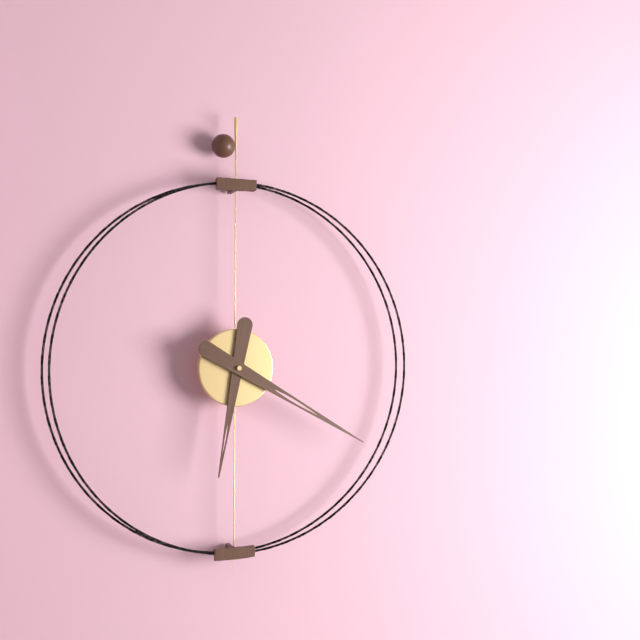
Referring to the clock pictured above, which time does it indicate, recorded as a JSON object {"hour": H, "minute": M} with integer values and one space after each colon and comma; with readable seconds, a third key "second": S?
{"hour": 6, "minute": 20}
